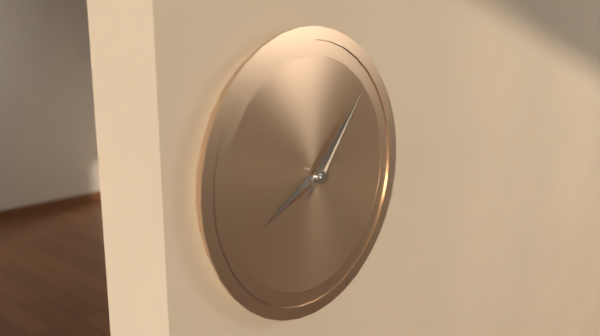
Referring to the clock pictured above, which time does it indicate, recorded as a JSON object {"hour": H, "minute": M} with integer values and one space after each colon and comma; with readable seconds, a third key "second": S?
{"hour": 8, "minute": 7}
